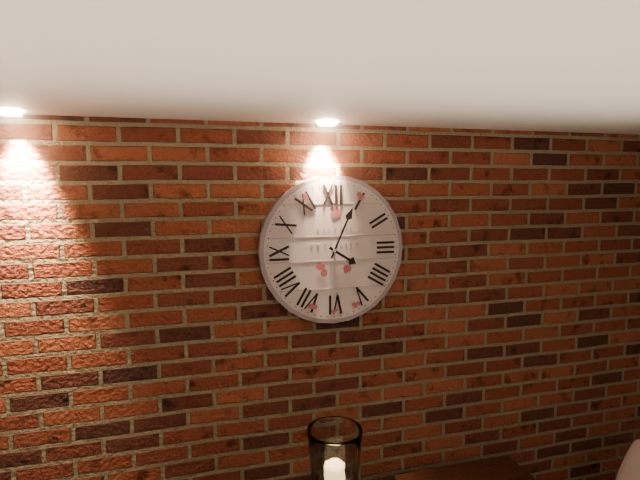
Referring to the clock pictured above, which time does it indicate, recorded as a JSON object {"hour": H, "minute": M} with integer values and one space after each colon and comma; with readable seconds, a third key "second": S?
{"hour": 4, "minute": 4}
